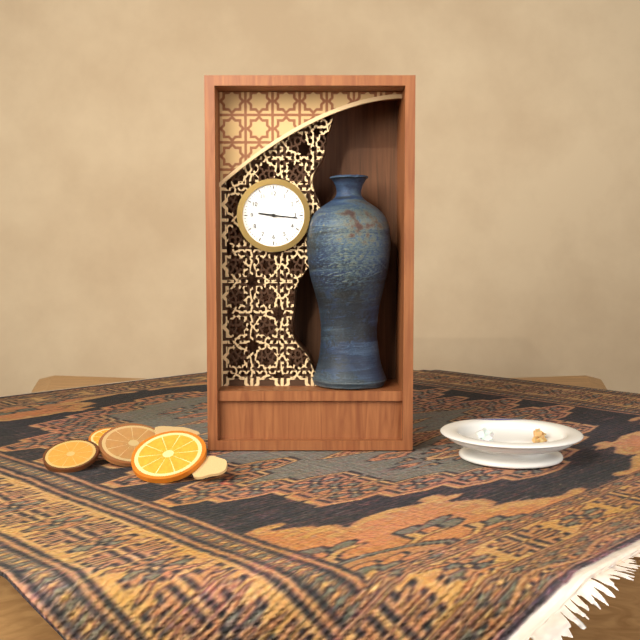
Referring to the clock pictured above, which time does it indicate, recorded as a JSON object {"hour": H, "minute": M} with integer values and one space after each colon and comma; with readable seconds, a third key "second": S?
{"hour": 9, "minute": 16}
